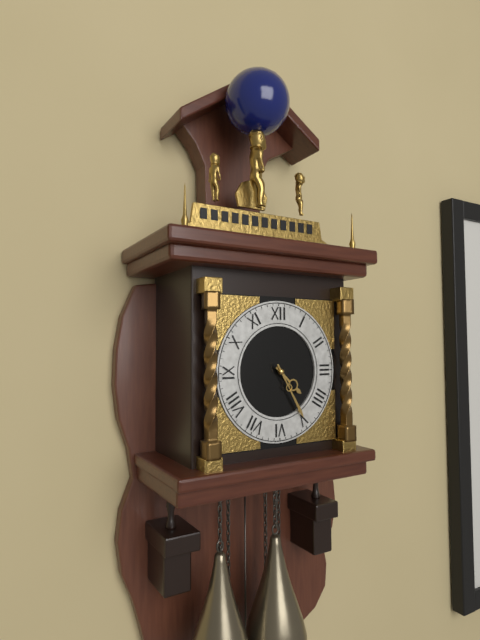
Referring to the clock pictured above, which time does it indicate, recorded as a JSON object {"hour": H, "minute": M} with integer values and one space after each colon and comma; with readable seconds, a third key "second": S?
{"hour": 4, "minute": 25}
